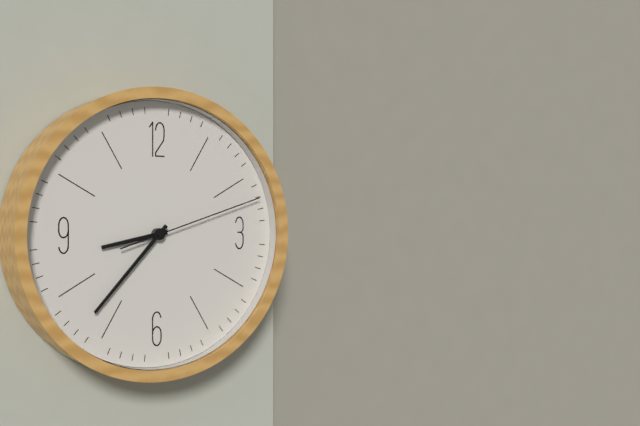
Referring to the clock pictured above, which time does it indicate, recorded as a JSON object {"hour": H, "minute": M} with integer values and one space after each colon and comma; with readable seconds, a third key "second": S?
{"hour": 8, "minute": 37, "second": 12}
